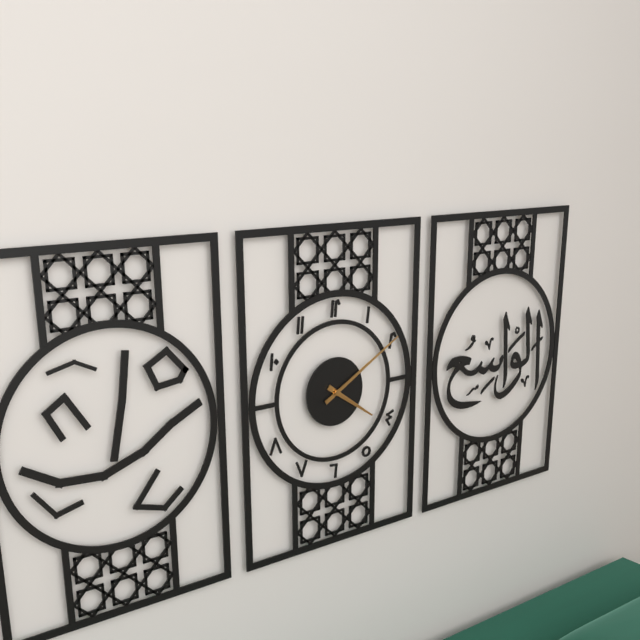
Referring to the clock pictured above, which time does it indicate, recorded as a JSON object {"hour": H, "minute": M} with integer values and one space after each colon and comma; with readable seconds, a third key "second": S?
{"hour": 4, "minute": 10}
